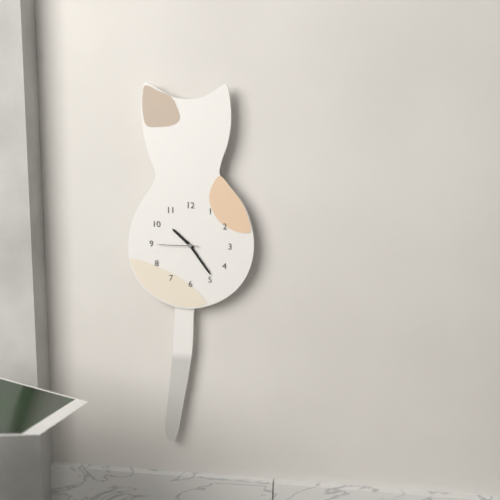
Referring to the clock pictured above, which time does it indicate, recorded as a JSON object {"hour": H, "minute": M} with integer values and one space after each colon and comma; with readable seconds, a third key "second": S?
{"hour": 10, "minute": 24}
